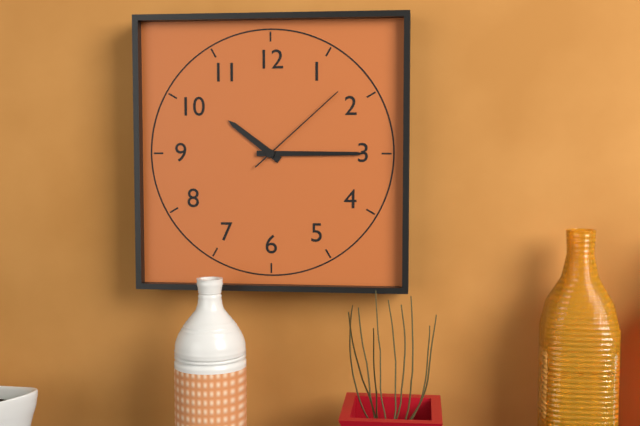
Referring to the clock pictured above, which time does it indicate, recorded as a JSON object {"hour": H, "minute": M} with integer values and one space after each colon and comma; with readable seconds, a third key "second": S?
{"hour": 10, "minute": 15, "second": 8}
